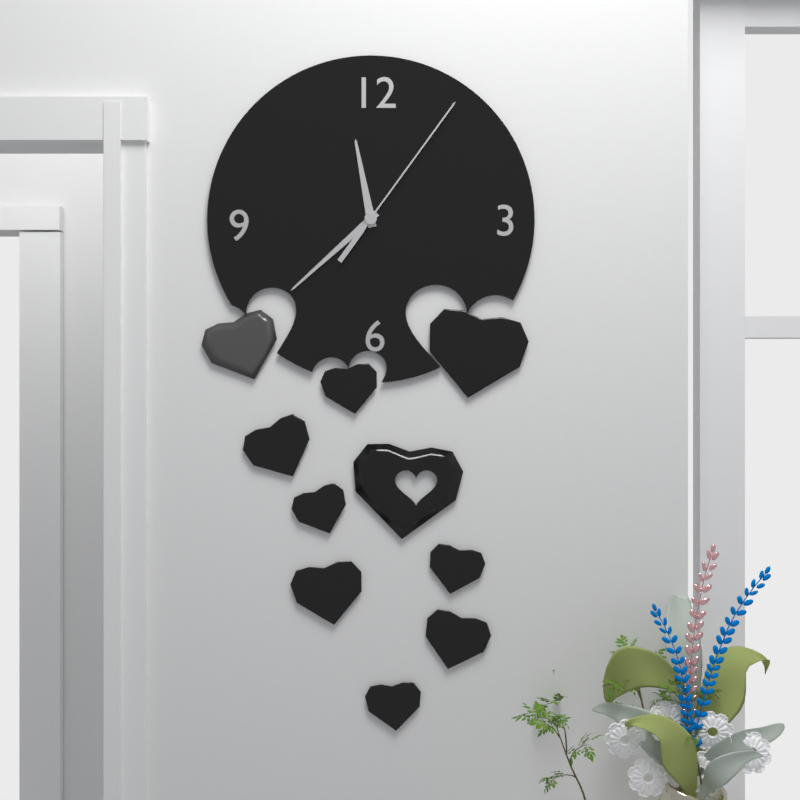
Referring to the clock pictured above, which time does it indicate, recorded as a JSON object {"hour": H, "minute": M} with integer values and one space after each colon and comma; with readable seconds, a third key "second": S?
{"hour": 11, "minute": 38, "second": 6}
